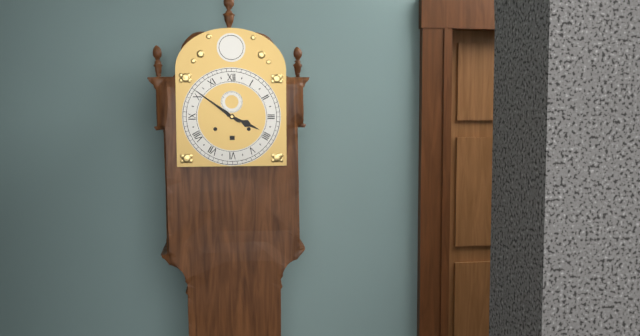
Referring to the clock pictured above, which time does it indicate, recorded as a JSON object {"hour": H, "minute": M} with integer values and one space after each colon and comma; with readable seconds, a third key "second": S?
{"hour": 3, "minute": 51}
